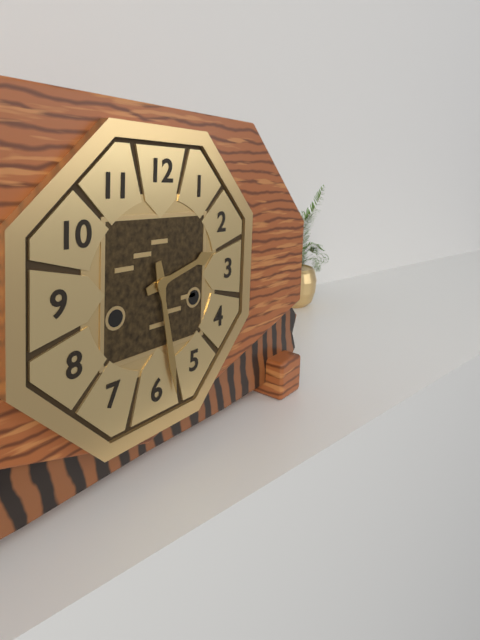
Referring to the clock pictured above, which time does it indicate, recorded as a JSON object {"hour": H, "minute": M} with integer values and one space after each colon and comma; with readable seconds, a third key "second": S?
{"hour": 2, "minute": 28}
